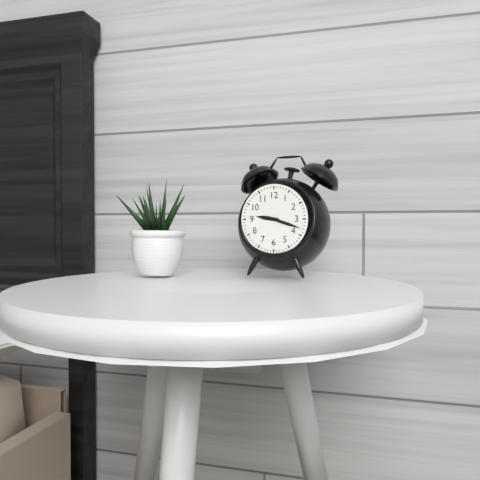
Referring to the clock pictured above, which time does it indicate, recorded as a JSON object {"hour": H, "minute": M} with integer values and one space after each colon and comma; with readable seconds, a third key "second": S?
{"hour": 9, "minute": 18}
